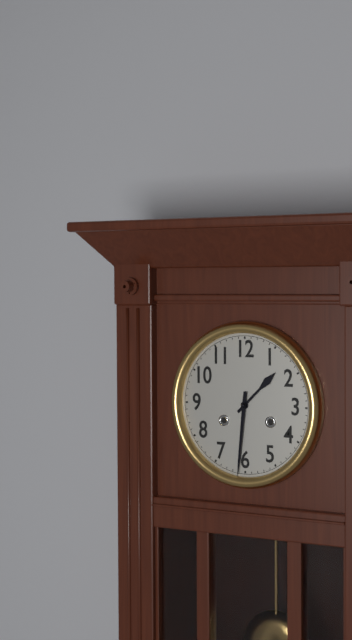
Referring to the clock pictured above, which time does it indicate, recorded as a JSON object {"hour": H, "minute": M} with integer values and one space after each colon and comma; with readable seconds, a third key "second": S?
{"hour": 1, "minute": 31}
